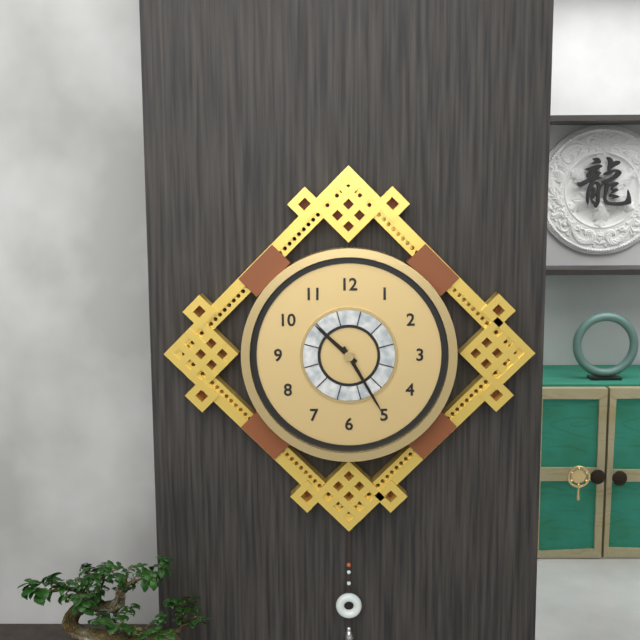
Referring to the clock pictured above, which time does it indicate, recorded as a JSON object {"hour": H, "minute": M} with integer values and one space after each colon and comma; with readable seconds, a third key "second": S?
{"hour": 10, "minute": 25}
